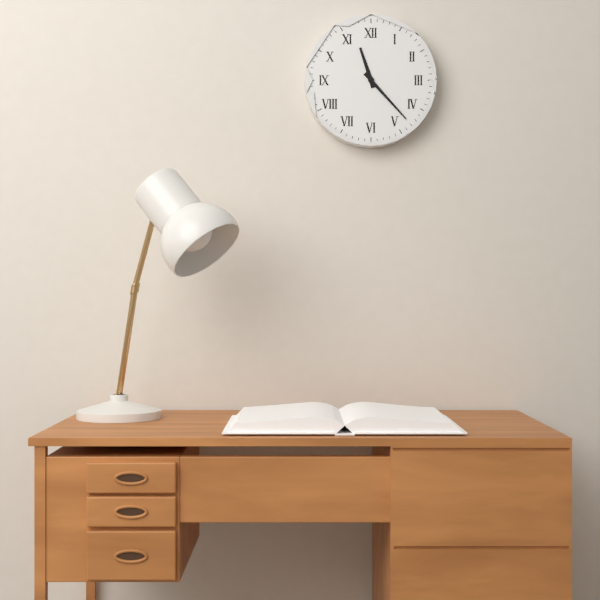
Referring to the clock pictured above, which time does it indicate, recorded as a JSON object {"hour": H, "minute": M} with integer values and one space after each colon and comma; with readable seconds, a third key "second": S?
{"hour": 11, "minute": 23}
